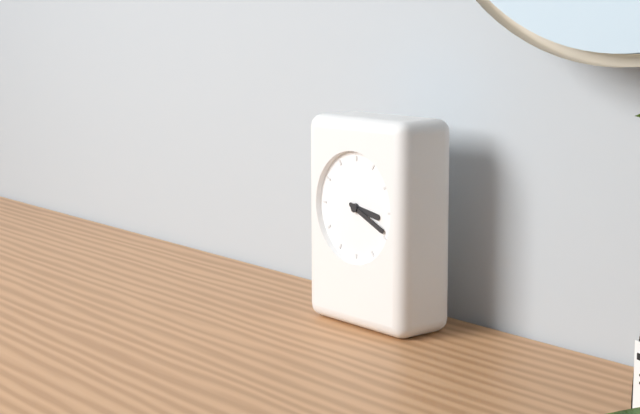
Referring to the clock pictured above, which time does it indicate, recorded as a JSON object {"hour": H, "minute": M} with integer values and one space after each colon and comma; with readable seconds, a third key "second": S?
{"hour": 3, "minute": 19}
